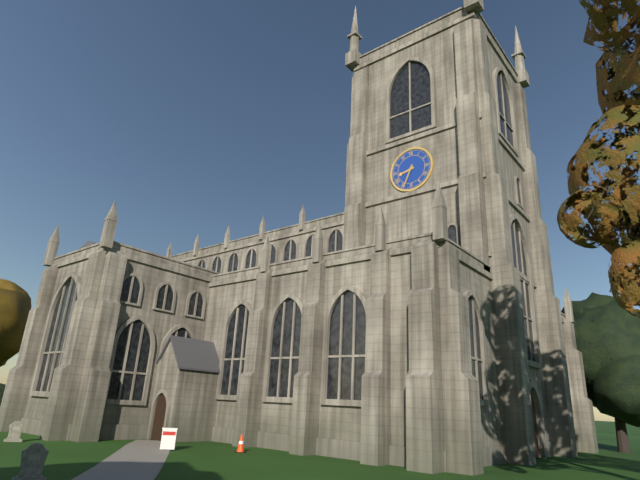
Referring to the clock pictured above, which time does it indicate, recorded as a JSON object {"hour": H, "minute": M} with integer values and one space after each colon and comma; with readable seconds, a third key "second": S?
{"hour": 8, "minute": 34}
